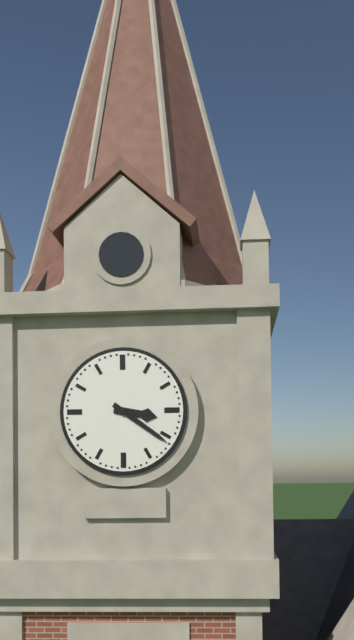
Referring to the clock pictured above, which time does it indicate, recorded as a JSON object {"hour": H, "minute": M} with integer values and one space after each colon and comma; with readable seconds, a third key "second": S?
{"hour": 3, "minute": 21}
